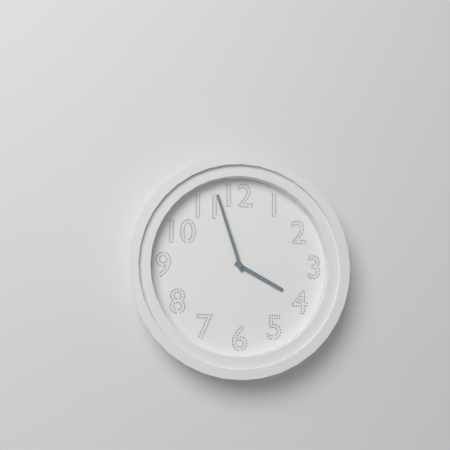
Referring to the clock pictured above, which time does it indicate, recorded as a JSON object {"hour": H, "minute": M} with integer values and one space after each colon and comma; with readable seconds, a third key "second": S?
{"hour": 3, "minute": 57}
